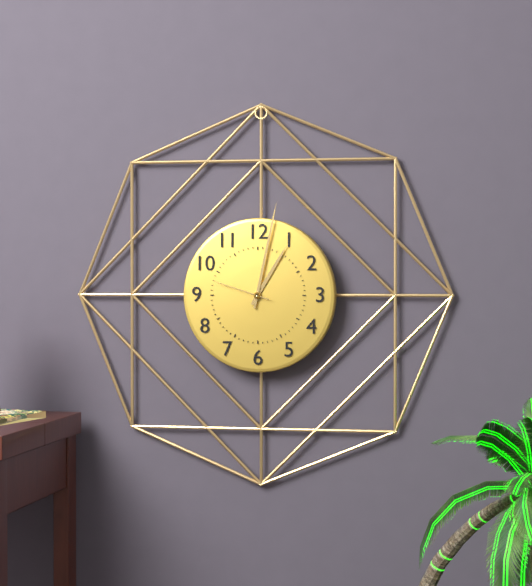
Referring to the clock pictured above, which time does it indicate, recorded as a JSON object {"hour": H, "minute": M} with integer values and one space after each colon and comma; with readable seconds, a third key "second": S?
{"hour": 1, "minute": 2, "second": 48}
